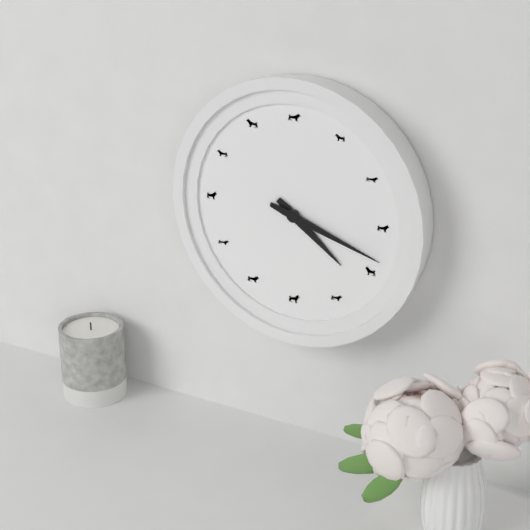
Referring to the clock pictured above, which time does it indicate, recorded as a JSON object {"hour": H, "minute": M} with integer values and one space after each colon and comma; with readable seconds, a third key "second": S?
{"hour": 4, "minute": 18}
